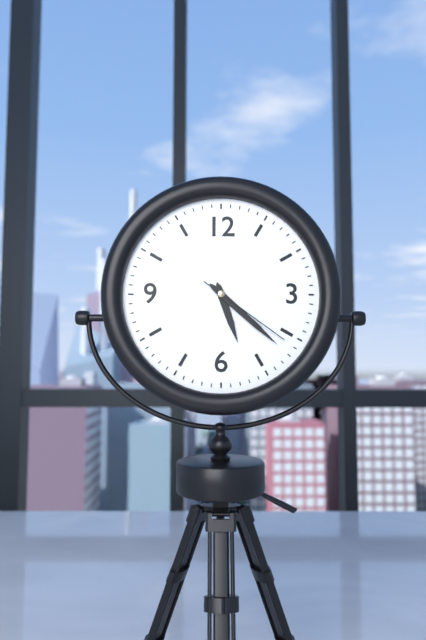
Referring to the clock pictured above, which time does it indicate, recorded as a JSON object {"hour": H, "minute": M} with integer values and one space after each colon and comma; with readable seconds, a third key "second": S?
{"hour": 5, "minute": 22, "second": 21}
